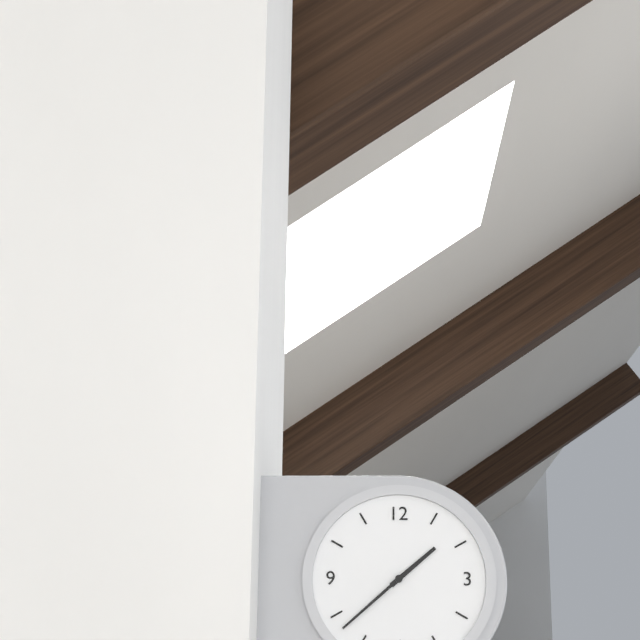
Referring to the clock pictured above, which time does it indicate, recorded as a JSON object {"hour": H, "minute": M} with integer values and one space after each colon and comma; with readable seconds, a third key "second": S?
{"hour": 1, "minute": 38}
